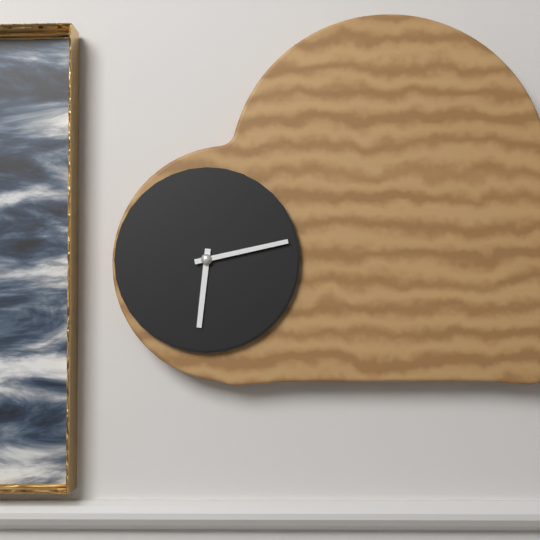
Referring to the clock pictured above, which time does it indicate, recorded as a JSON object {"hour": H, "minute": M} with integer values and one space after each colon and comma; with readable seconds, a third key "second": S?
{"hour": 6, "minute": 13}
